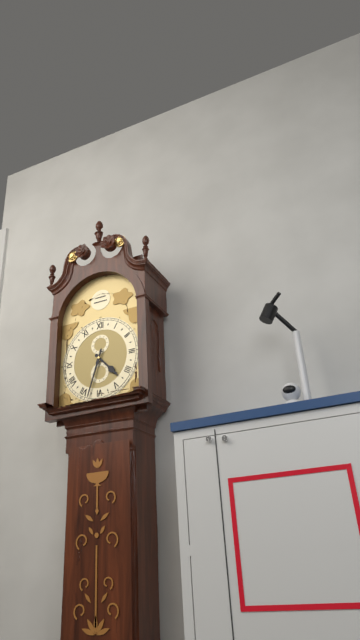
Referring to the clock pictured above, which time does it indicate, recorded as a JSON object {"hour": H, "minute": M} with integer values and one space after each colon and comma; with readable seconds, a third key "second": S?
{"hour": 4, "minute": 33}
